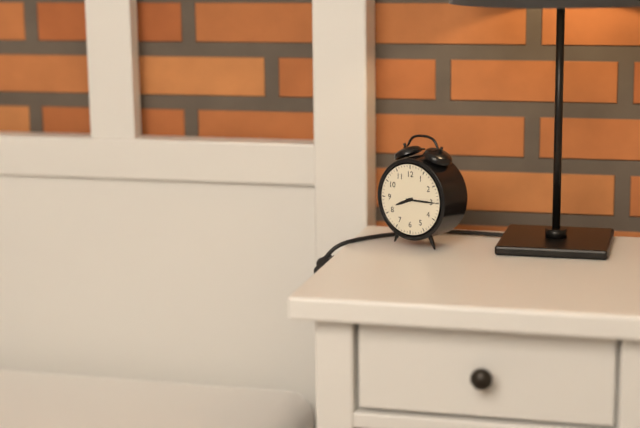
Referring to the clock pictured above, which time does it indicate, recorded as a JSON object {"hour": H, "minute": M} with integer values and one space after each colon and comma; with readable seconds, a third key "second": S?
{"hour": 8, "minute": 15}
